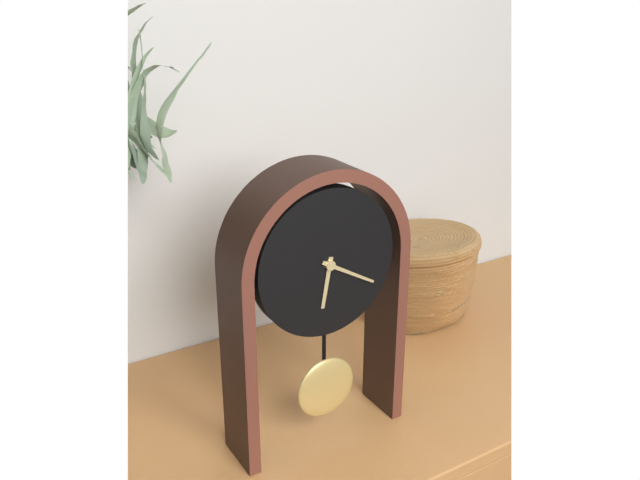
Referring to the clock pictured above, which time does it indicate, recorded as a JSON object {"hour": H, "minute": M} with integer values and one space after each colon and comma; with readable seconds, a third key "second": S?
{"hour": 6, "minute": 20}
